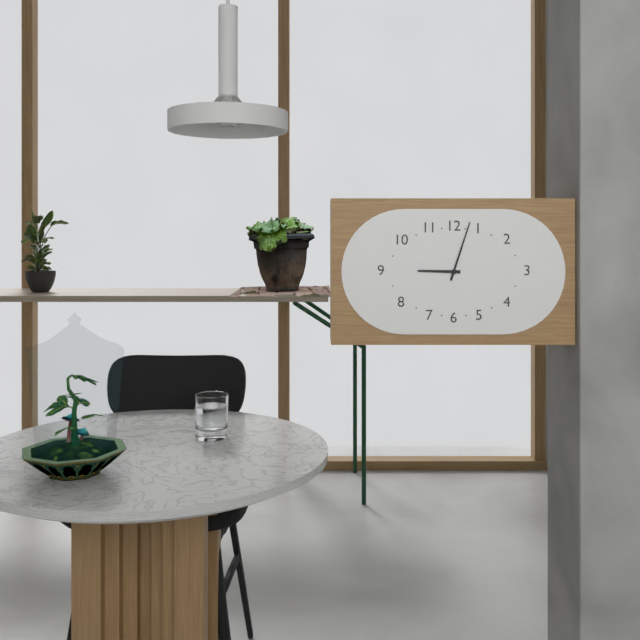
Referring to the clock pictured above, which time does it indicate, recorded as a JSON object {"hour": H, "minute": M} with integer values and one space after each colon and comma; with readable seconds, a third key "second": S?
{"hour": 9, "minute": 3}
